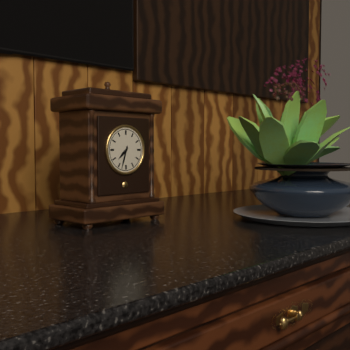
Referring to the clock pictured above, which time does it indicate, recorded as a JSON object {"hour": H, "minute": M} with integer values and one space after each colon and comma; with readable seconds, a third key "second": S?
{"hour": 7, "minute": 33}
